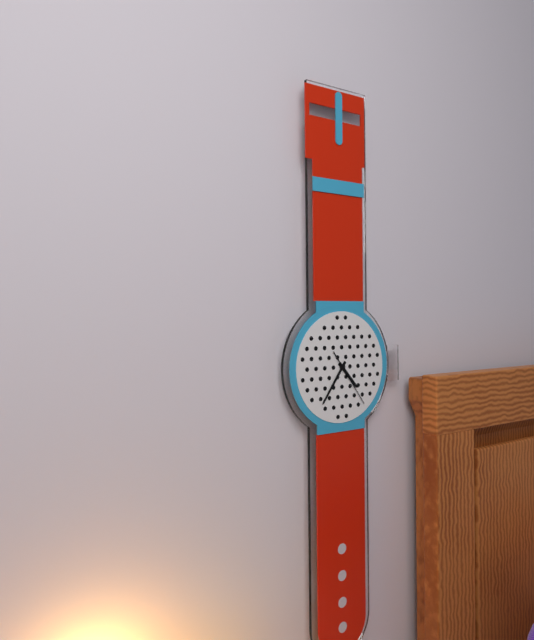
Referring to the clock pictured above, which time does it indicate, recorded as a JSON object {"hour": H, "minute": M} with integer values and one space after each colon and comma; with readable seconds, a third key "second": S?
{"hour": 4, "minute": 36, "second": 24}
